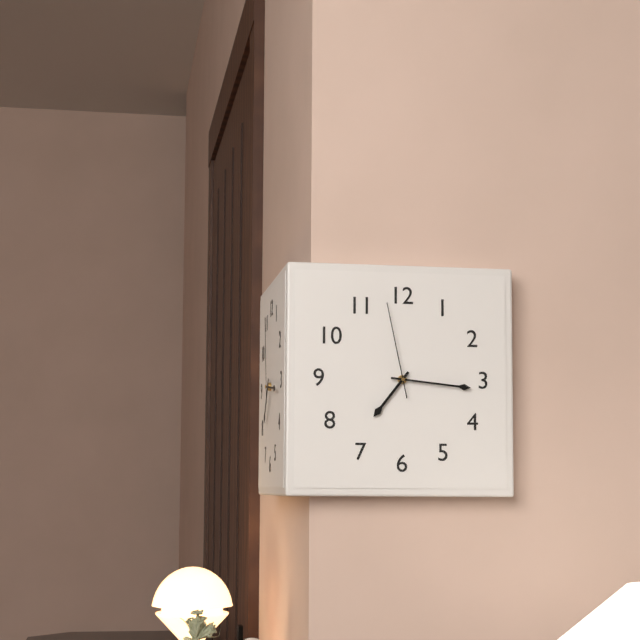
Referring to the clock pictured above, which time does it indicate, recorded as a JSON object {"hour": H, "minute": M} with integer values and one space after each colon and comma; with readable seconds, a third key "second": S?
{"hour": 7, "minute": 16, "second": 58}
